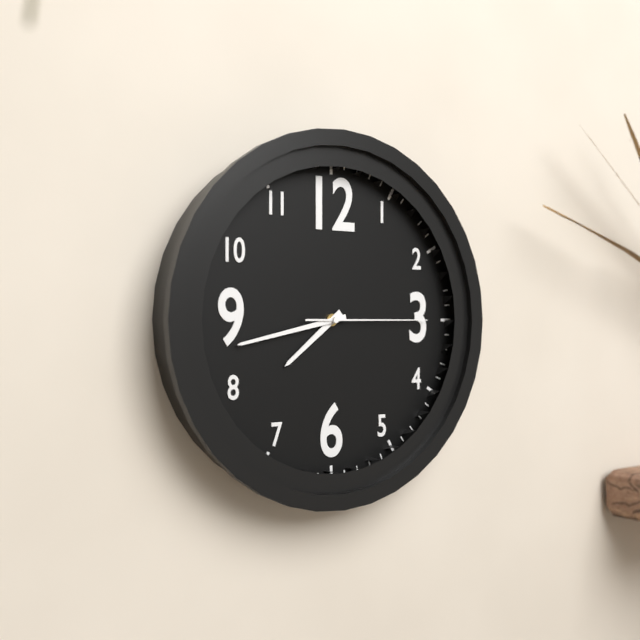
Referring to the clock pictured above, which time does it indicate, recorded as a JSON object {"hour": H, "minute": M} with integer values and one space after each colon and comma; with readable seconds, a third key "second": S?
{"hour": 7, "minute": 43, "second": 15}
